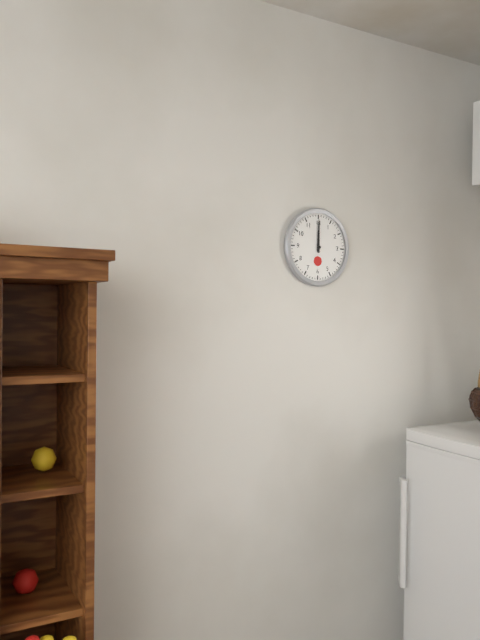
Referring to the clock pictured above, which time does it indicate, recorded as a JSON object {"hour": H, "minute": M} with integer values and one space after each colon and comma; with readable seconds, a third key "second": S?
{"hour": 12, "minute": 0}
